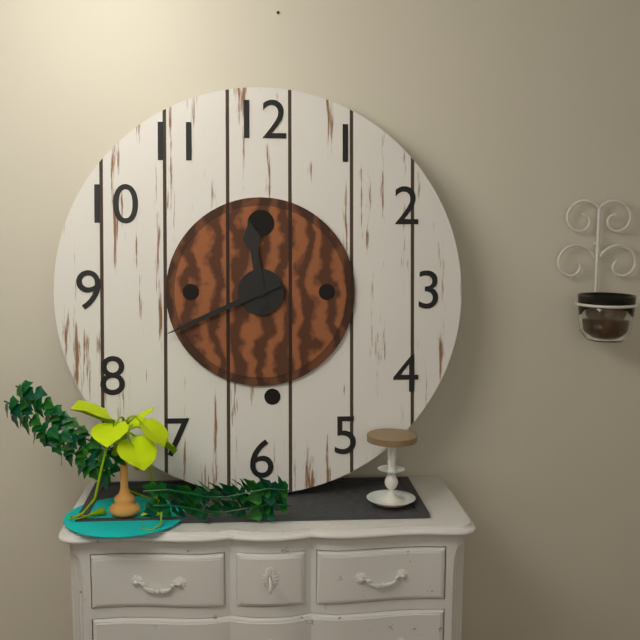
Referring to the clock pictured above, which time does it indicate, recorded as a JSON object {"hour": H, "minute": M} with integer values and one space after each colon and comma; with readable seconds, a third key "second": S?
{"hour": 11, "minute": 41}
